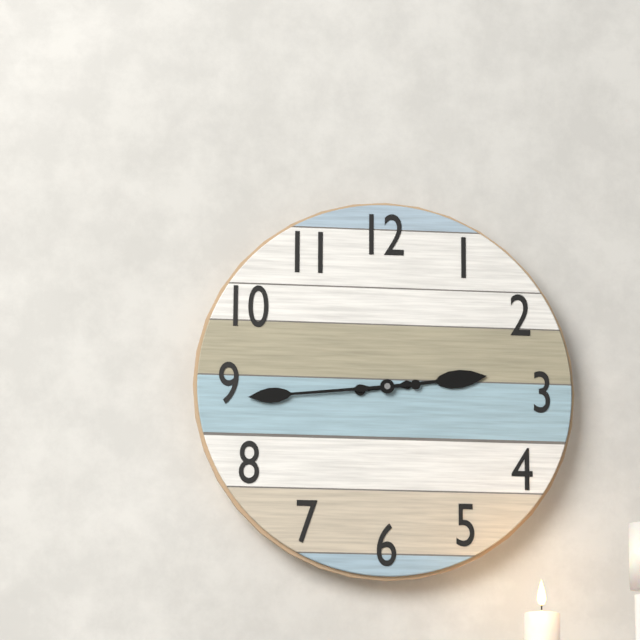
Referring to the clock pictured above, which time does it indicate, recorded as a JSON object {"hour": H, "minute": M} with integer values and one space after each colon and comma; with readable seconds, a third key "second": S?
{"hour": 2, "minute": 44}
